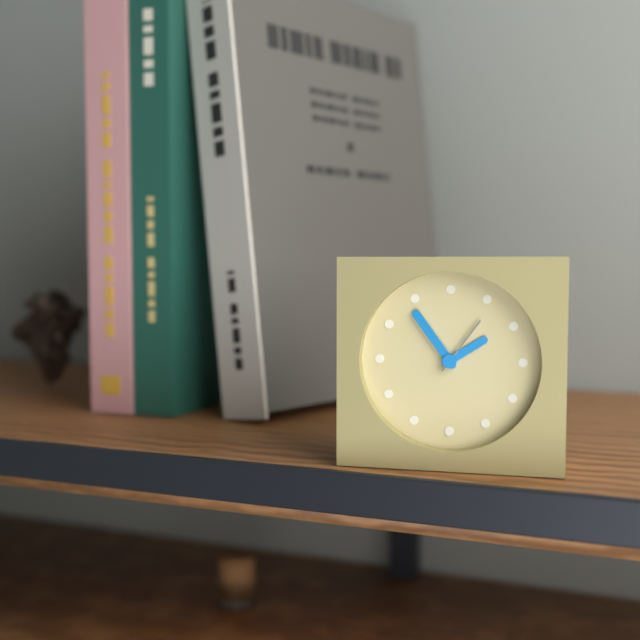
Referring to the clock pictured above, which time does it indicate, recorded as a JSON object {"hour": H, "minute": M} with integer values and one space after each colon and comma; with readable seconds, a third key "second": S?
{"hour": 1, "minute": 54, "second": 6}
